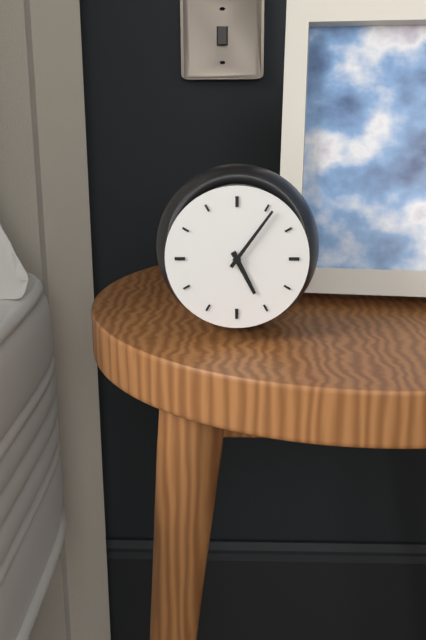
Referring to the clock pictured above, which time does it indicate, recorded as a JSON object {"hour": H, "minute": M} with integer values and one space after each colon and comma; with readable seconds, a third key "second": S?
{"hour": 5, "minute": 6}
